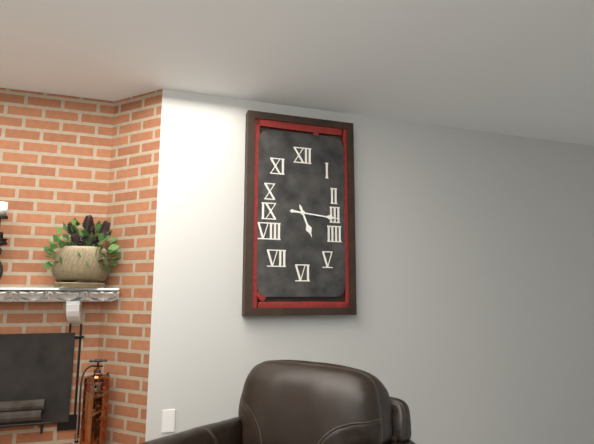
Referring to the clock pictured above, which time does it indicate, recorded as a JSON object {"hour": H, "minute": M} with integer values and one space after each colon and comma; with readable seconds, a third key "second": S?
{"hour": 5, "minute": 16}
